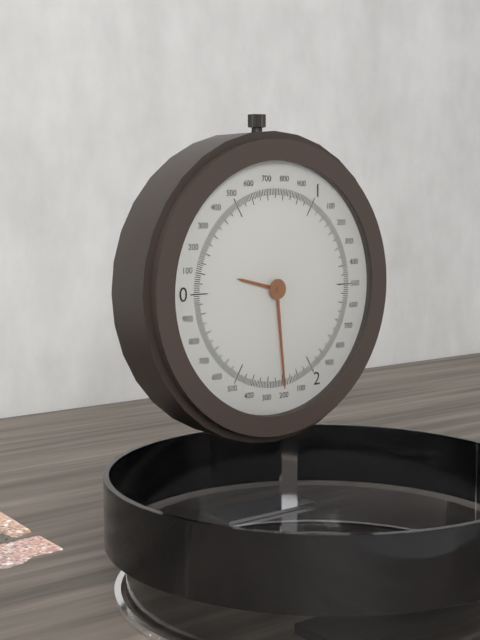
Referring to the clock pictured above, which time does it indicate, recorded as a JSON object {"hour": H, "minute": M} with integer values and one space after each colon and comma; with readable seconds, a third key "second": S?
{"hour": 9, "minute": 29}
